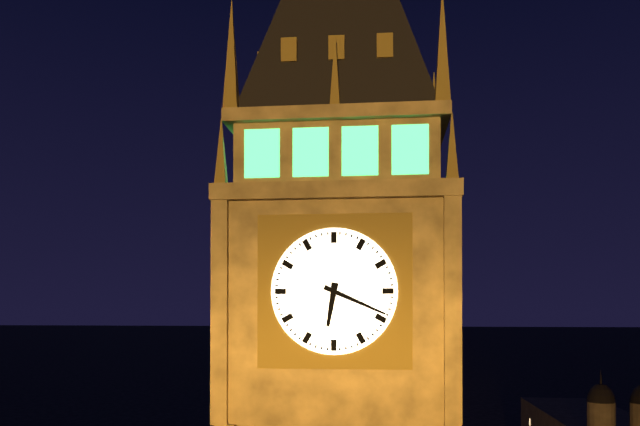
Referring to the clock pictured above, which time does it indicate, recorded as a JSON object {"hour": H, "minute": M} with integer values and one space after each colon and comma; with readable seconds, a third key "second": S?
{"hour": 6, "minute": 19}
